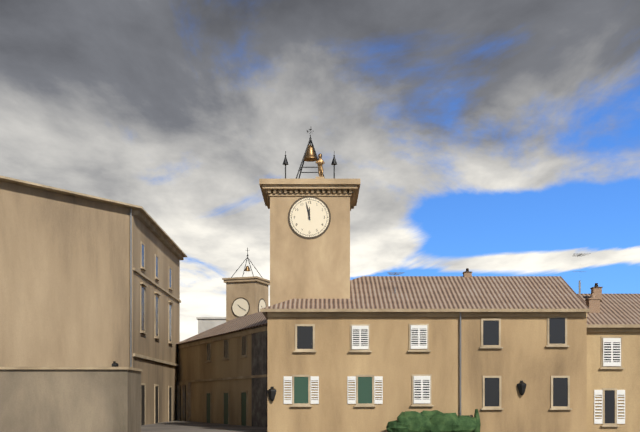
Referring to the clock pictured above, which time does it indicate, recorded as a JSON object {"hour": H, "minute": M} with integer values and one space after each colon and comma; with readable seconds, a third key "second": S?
{"hour": 11, "minute": 58}
